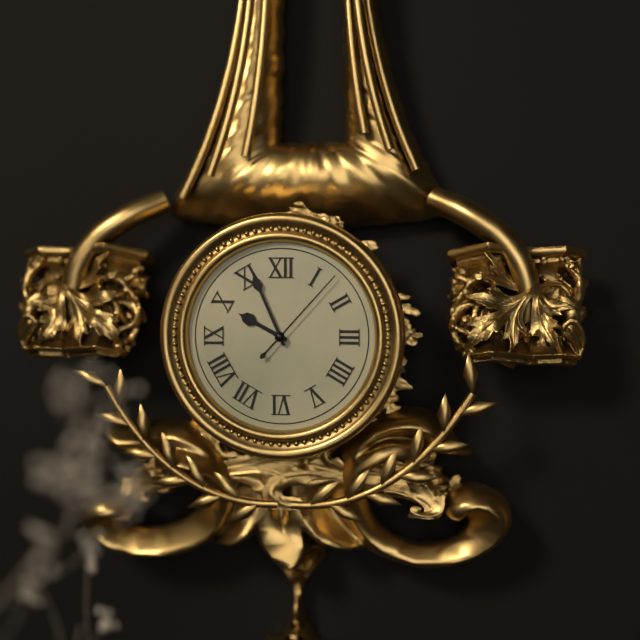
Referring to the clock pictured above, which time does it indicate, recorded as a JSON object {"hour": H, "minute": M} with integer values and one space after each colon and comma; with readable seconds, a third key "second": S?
{"hour": 9, "minute": 56, "second": 7}
